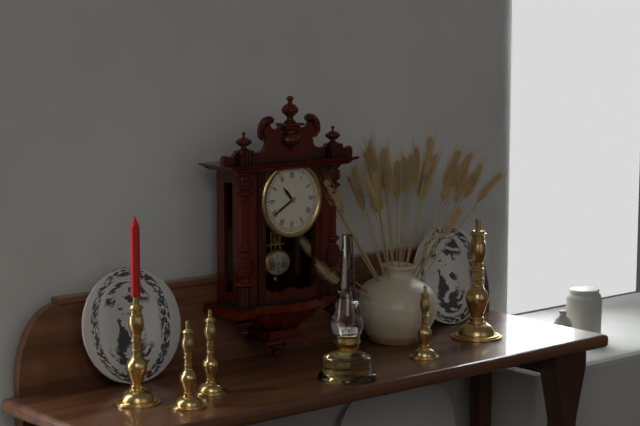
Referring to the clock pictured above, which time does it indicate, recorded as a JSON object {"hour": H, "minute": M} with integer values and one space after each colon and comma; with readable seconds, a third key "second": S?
{"hour": 10, "minute": 40}
